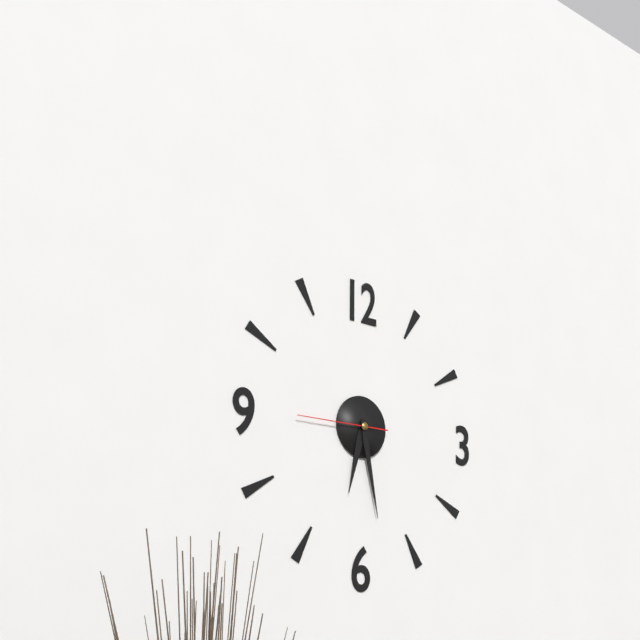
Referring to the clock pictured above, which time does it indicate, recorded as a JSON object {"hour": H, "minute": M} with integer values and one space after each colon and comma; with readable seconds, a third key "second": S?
{"hour": 6, "minute": 28, "second": 45}
